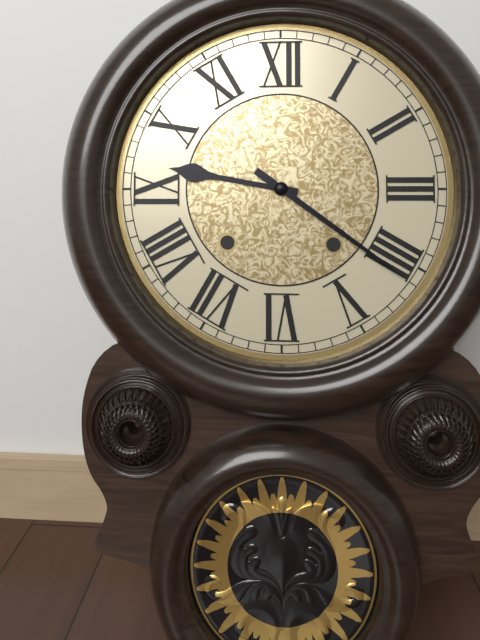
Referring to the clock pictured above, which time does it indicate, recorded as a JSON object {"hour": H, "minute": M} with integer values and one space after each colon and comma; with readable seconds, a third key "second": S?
{"hour": 9, "minute": 21}
